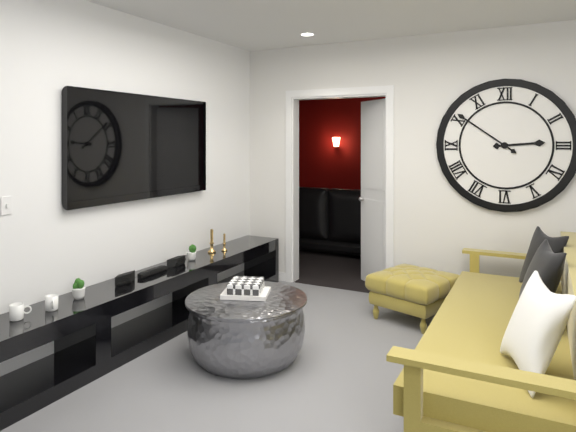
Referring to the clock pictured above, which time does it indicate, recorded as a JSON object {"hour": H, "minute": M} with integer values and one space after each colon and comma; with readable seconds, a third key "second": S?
{"hour": 2, "minute": 51}
